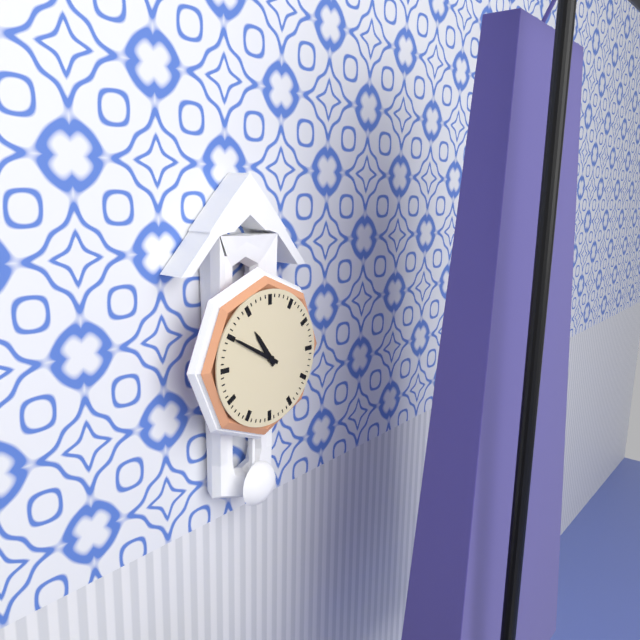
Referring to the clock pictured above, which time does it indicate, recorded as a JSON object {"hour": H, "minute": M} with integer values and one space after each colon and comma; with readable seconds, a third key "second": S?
{"hour": 10, "minute": 50}
